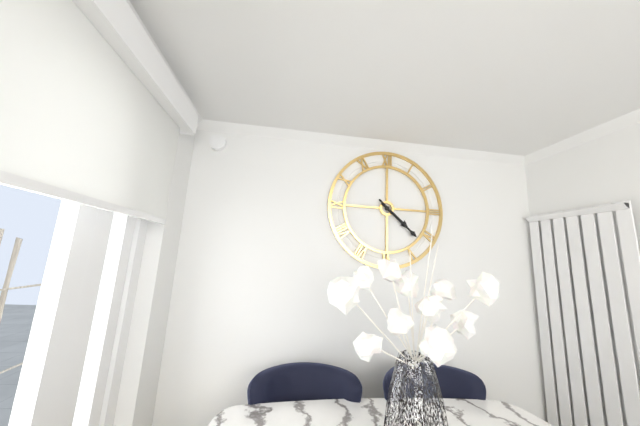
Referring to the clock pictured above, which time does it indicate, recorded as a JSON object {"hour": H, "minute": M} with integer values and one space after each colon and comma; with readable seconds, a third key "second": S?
{"hour": 4, "minute": 22}
